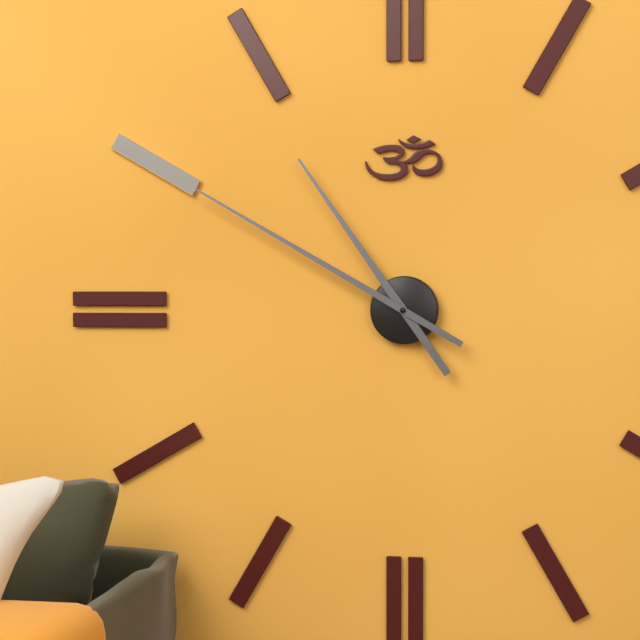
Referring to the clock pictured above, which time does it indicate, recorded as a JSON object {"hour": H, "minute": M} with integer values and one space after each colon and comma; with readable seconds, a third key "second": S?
{"hour": 10, "minute": 50}
